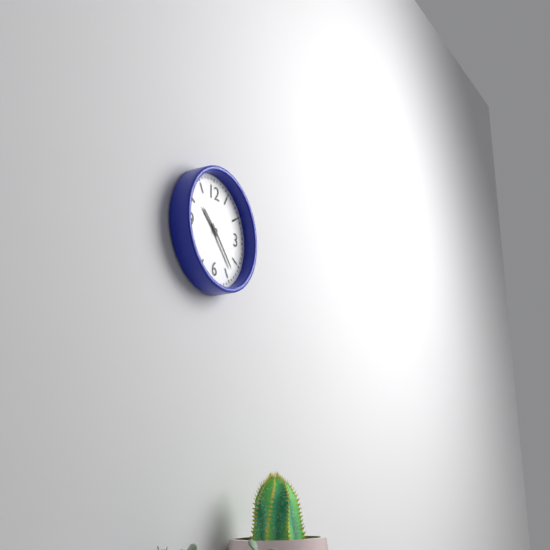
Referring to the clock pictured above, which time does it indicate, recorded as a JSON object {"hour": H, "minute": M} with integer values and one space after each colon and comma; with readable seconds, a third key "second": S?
{"hour": 10, "minute": 23}
